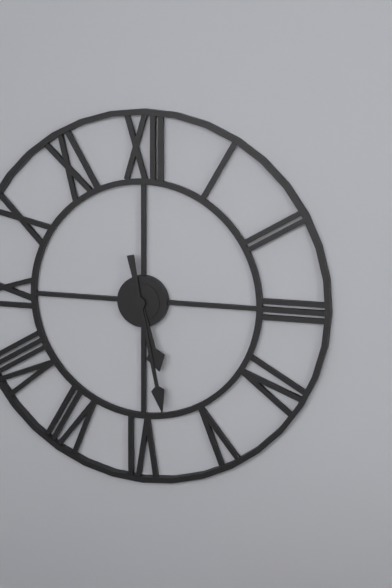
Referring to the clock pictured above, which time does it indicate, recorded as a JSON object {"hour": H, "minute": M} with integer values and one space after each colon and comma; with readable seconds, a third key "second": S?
{"hour": 5, "minute": 28}
